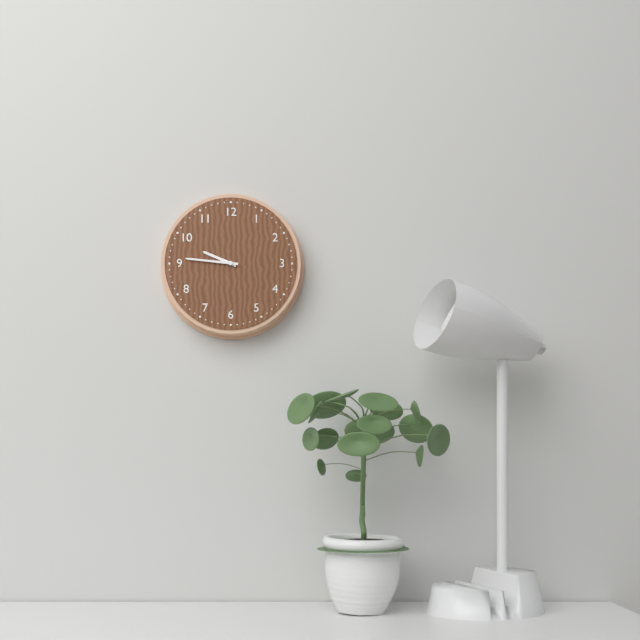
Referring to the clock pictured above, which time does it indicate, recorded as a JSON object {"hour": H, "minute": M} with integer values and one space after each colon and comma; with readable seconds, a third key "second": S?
{"hour": 9, "minute": 46}
